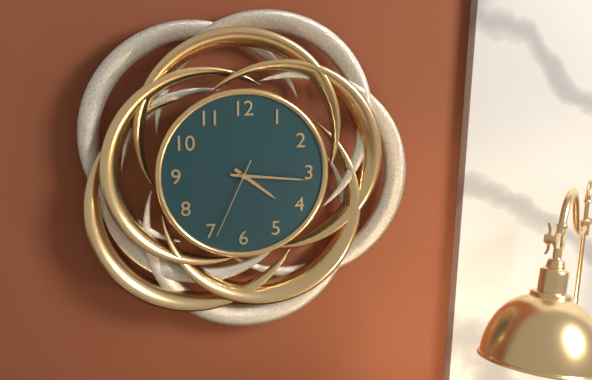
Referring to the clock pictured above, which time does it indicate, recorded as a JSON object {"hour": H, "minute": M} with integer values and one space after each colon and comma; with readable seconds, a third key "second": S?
{"hour": 4, "minute": 16, "second": 34}
